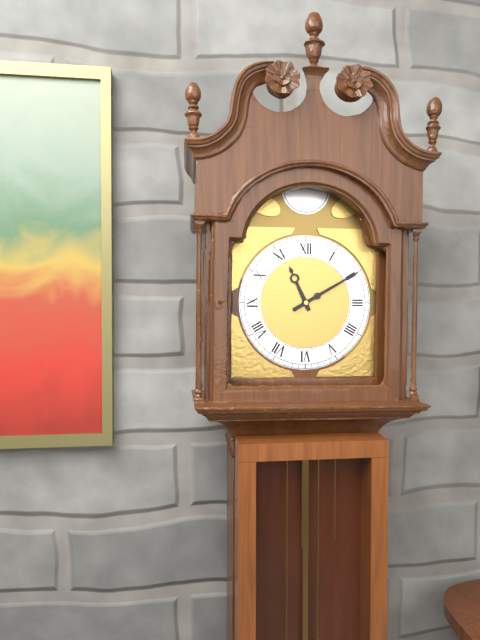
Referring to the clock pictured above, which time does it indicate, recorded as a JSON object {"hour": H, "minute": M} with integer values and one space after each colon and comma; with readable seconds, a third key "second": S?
{"hour": 11, "minute": 10}
